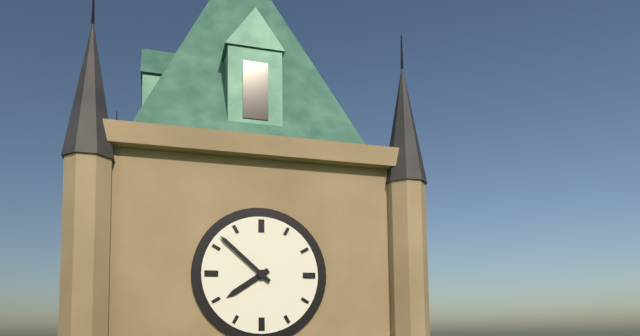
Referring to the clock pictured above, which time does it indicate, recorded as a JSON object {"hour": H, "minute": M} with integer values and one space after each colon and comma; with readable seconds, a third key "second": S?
{"hour": 7, "minute": 52}
